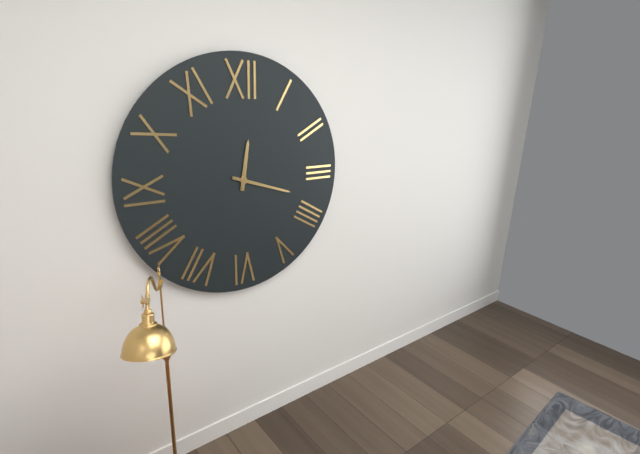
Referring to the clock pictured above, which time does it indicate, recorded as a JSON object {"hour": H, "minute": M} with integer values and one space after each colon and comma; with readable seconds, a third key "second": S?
{"hour": 12, "minute": 18}
